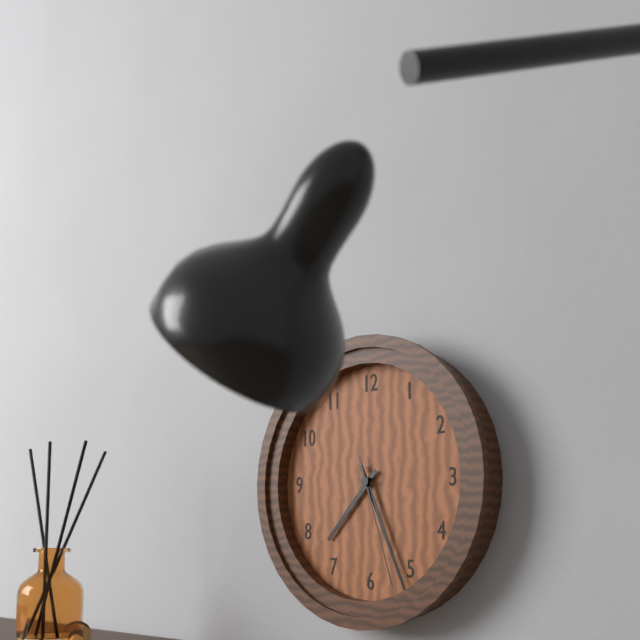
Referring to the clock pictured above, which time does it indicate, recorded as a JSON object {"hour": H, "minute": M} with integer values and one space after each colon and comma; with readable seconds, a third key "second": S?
{"hour": 7, "minute": 26, "second": 27}
